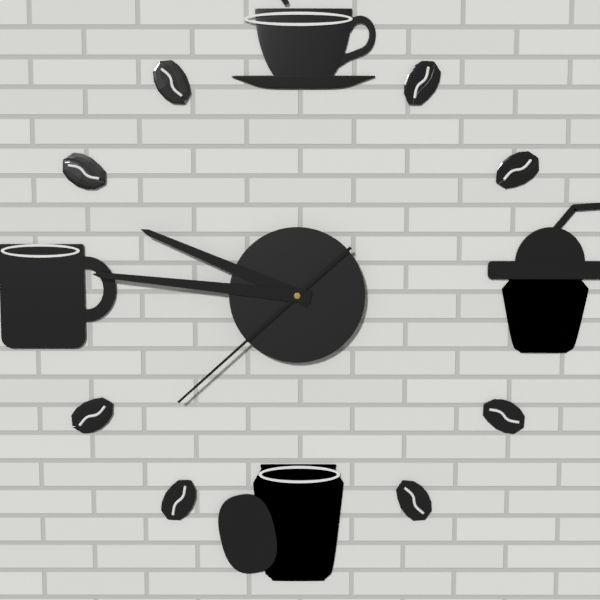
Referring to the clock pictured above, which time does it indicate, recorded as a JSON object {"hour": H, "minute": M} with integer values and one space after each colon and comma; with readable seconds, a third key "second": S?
{"hour": 9, "minute": 46, "second": 38}
